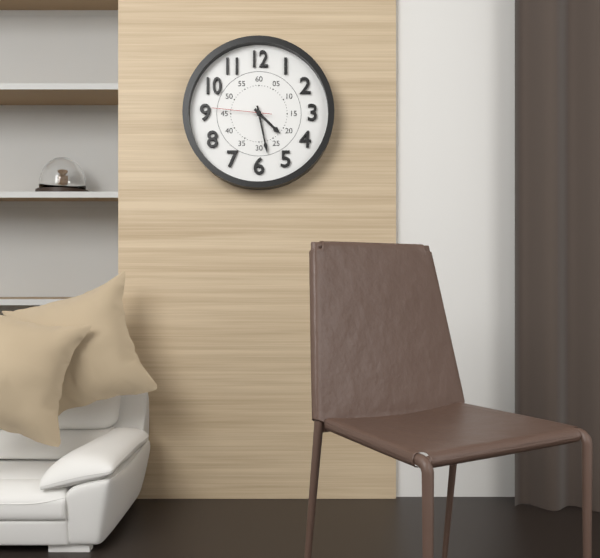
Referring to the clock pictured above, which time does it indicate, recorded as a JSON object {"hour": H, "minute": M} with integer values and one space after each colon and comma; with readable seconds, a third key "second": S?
{"hour": 4, "minute": 28, "second": 46}
